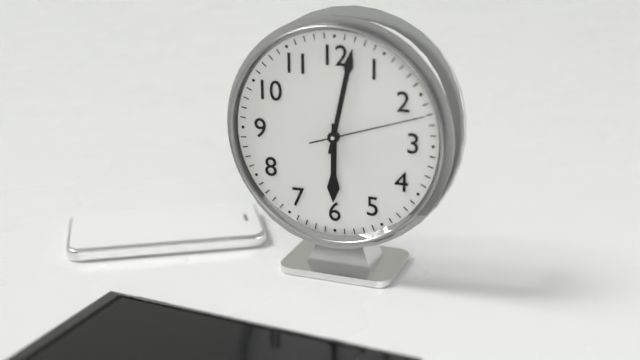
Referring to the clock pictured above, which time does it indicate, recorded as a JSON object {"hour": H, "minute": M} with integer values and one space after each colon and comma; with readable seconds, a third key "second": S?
{"hour": 6, "minute": 2, "second": 12}
